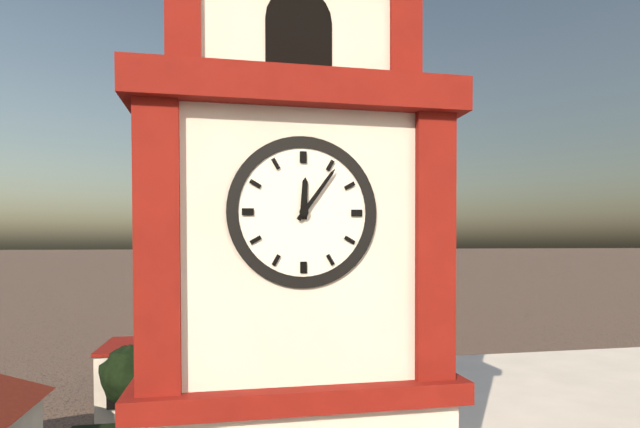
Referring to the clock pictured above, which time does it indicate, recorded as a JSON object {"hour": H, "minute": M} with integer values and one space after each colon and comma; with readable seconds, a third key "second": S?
{"hour": 12, "minute": 6}
